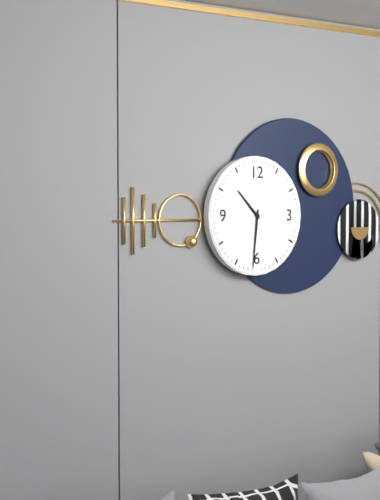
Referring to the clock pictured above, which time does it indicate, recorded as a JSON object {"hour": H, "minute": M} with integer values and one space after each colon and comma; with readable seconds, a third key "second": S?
{"hour": 10, "minute": 31}
